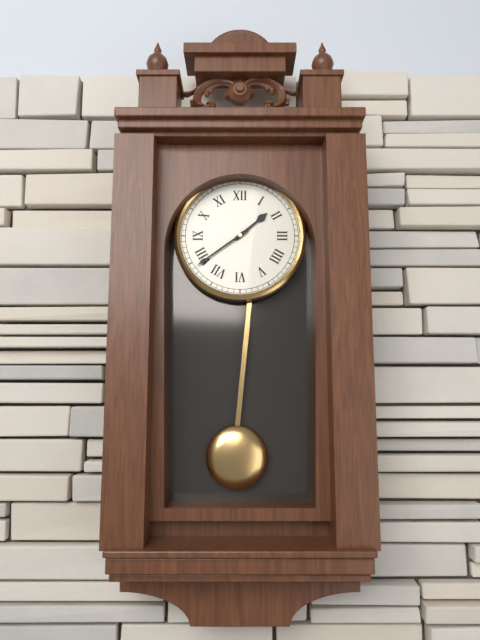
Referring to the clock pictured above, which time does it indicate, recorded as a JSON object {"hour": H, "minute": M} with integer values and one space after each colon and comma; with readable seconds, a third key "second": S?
{"hour": 1, "minute": 39}
